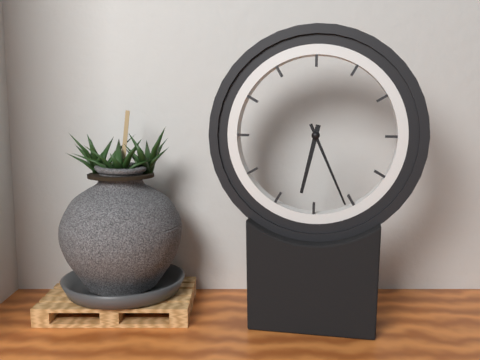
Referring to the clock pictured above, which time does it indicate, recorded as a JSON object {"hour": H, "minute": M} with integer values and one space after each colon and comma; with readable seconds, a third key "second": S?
{"hour": 6, "minute": 26}
